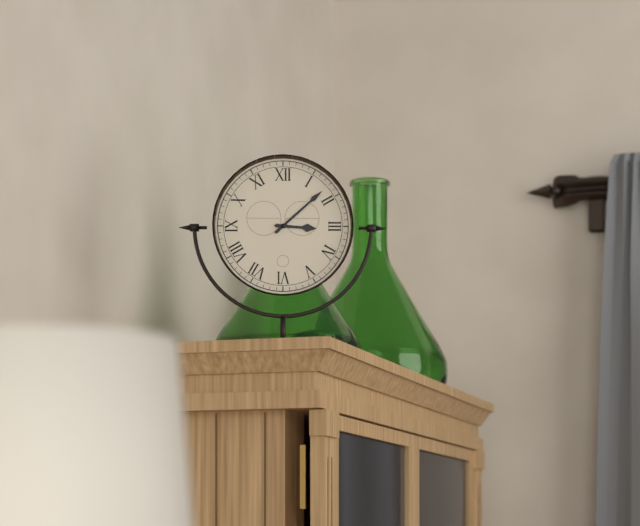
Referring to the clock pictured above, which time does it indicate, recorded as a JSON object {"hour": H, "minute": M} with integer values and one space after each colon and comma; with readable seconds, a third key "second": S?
{"hour": 3, "minute": 8}
